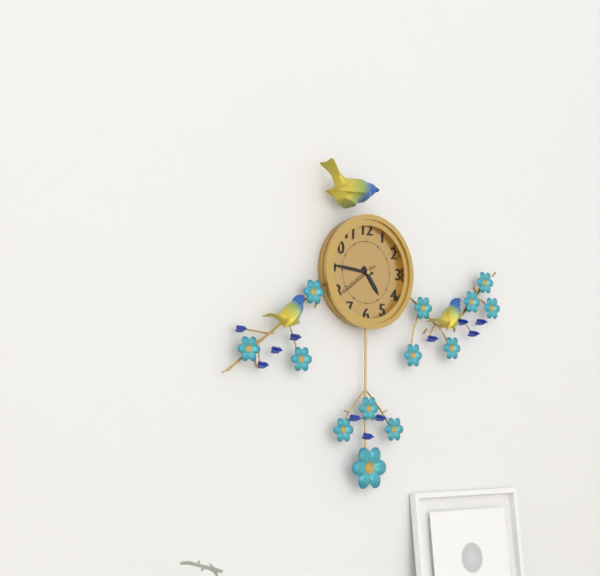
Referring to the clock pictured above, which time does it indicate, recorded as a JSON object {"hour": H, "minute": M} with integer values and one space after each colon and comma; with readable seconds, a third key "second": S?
{"hour": 4, "minute": 46}
